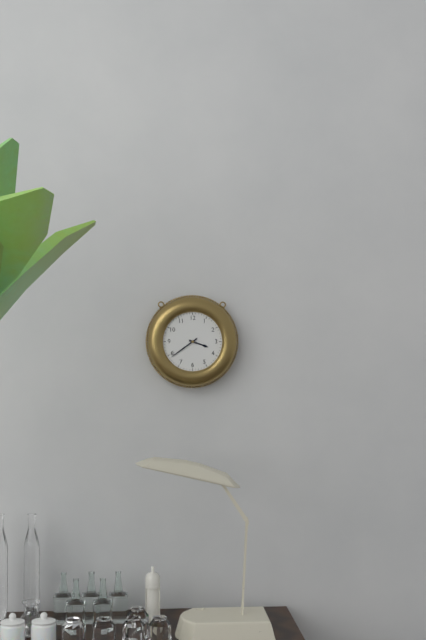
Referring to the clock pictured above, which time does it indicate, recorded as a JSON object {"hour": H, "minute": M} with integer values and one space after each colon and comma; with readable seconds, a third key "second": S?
{"hour": 3, "minute": 39}
